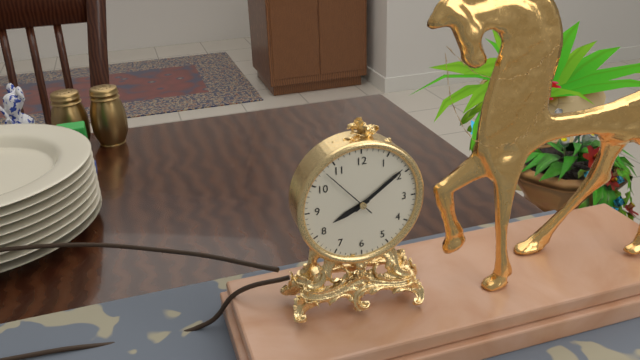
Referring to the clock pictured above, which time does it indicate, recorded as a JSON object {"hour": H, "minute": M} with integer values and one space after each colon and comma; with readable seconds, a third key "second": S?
{"hour": 8, "minute": 9, "second": 53}
